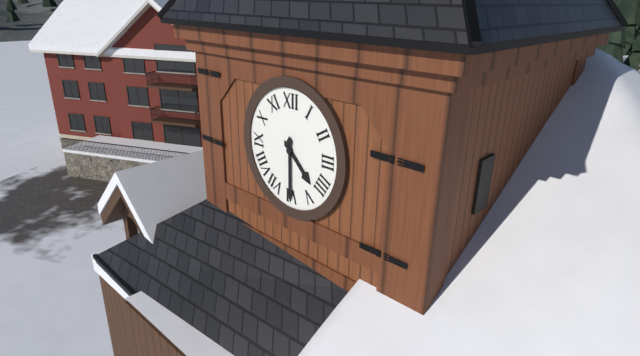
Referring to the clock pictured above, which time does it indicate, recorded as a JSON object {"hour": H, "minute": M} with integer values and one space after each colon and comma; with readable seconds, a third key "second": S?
{"hour": 4, "minute": 30}
